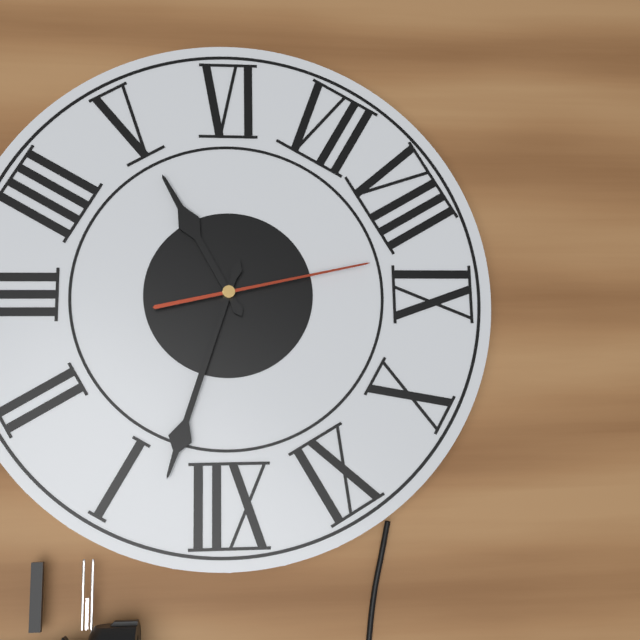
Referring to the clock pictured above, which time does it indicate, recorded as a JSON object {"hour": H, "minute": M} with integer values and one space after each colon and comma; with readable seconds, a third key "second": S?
{"hour": 5, "minute": 3, "second": 43}
